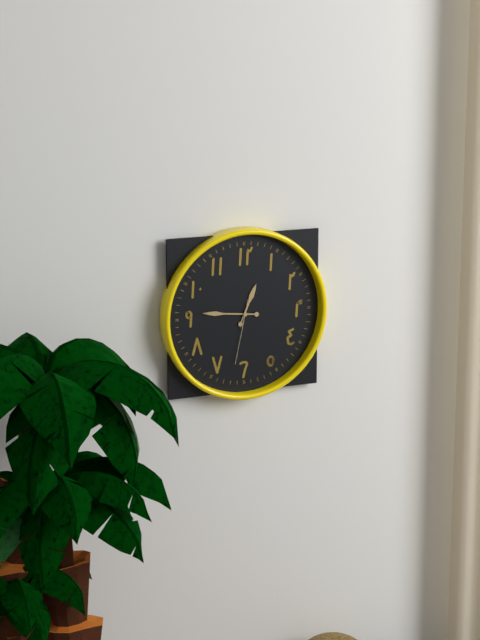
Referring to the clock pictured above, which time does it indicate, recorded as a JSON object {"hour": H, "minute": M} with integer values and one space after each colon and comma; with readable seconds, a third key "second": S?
{"hour": 12, "minute": 46, "second": 32}
